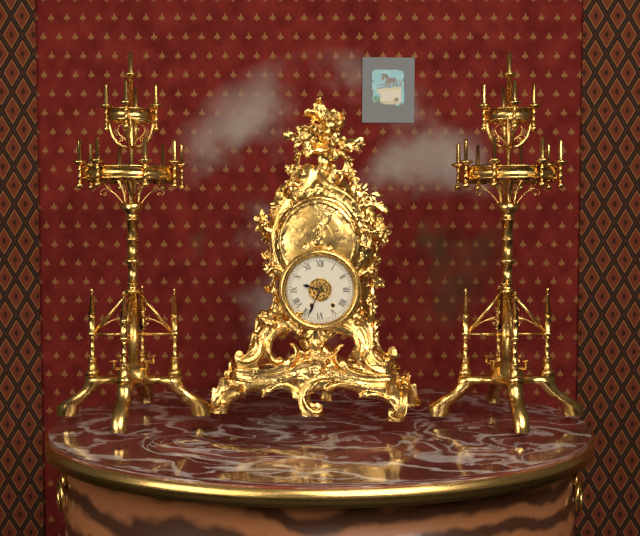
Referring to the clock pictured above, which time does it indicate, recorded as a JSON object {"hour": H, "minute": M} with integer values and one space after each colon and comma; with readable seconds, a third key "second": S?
{"hour": 9, "minute": 34}
